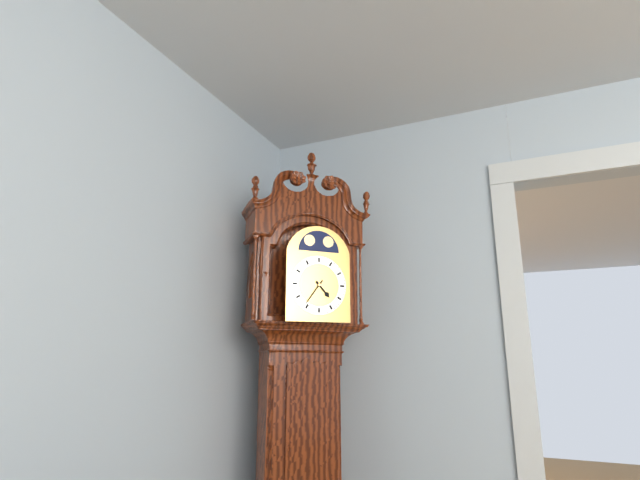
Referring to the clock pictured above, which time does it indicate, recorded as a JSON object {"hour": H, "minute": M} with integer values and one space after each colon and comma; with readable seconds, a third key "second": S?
{"hour": 4, "minute": 36}
